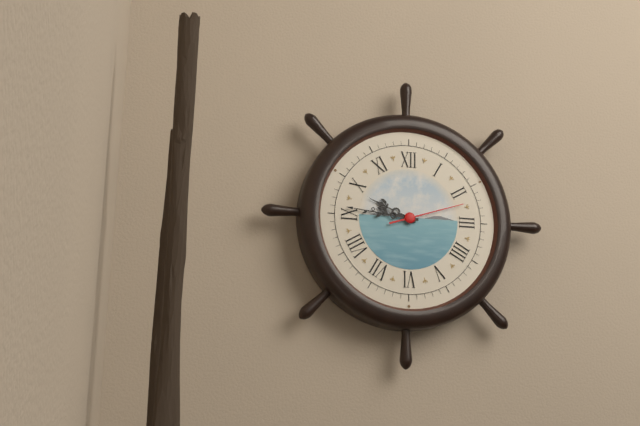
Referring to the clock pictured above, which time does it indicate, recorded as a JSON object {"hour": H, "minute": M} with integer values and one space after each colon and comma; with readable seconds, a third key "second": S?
{"hour": 9, "minute": 46, "second": 12}
